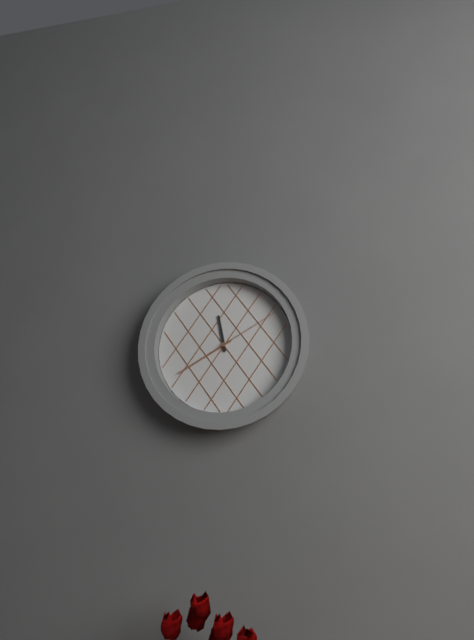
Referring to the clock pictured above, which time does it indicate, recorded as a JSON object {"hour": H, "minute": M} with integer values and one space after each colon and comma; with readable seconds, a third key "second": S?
{"hour": 11, "minute": 40, "second": 10}
